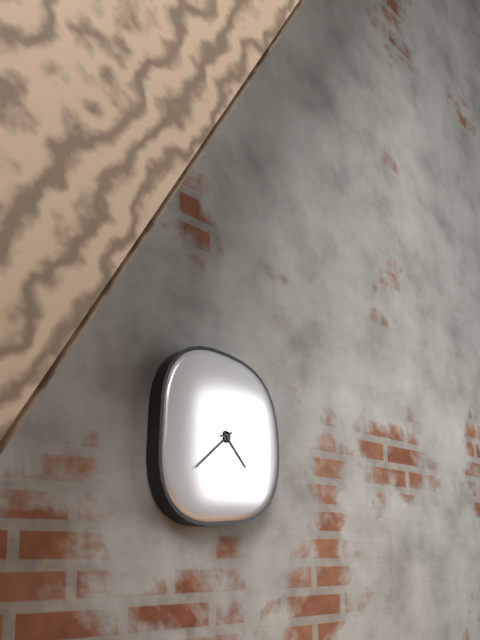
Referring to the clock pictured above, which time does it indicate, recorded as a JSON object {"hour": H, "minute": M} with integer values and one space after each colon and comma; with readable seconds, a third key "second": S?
{"hour": 4, "minute": 38}
